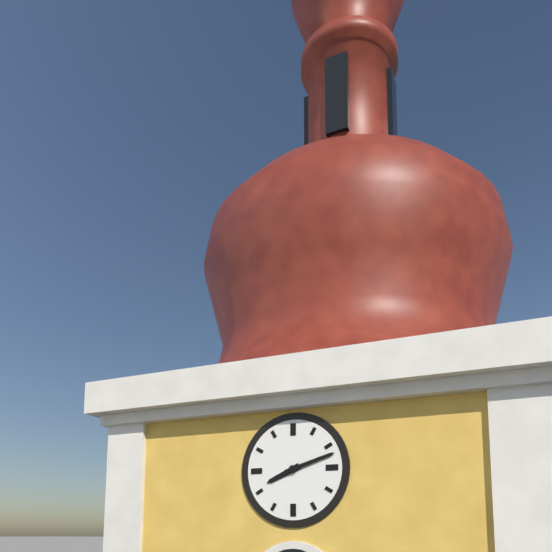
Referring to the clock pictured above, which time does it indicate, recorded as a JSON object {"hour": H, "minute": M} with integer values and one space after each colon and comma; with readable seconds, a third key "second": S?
{"hour": 8, "minute": 12}
